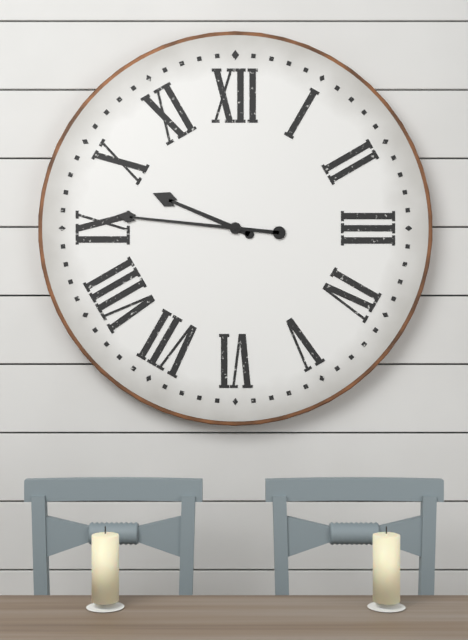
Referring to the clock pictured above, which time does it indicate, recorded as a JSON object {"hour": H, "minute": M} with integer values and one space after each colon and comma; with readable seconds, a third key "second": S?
{"hour": 9, "minute": 46}
